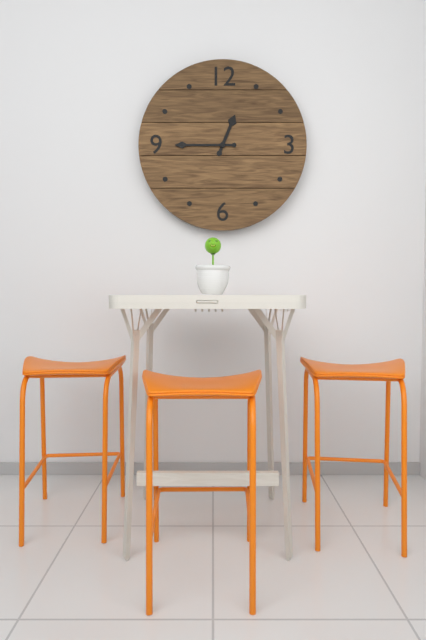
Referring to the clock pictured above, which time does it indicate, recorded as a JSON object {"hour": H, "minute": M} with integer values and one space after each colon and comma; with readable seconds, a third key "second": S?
{"hour": 12, "minute": 45}
